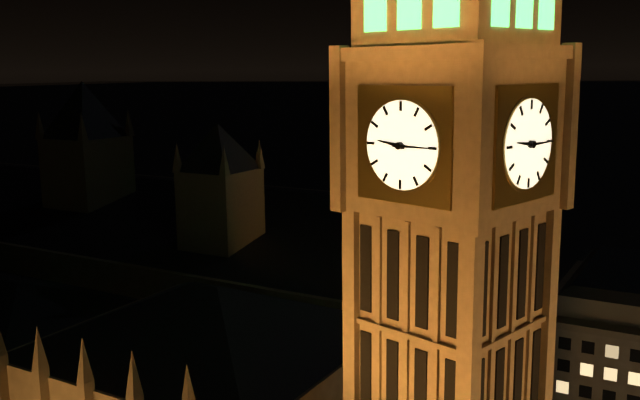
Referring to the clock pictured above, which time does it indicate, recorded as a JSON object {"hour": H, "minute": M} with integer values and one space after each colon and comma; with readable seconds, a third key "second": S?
{"hour": 9, "minute": 15}
